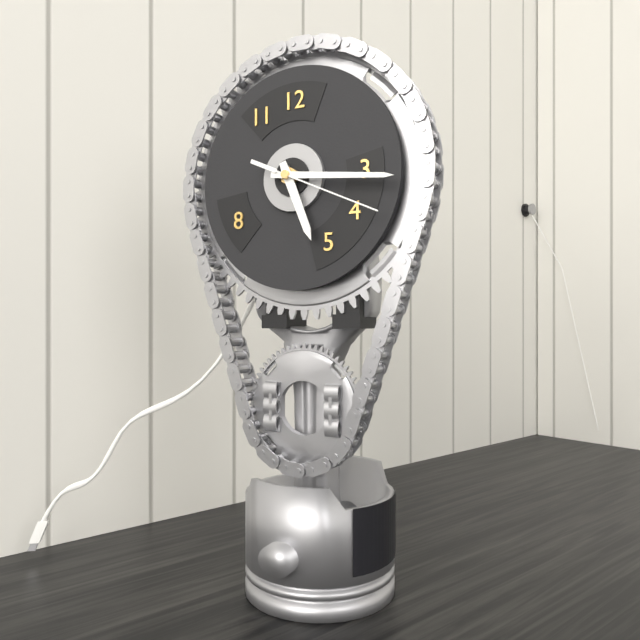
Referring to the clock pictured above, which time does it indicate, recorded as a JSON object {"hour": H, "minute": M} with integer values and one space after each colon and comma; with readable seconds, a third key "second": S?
{"hour": 5, "minute": 16, "second": 19}
